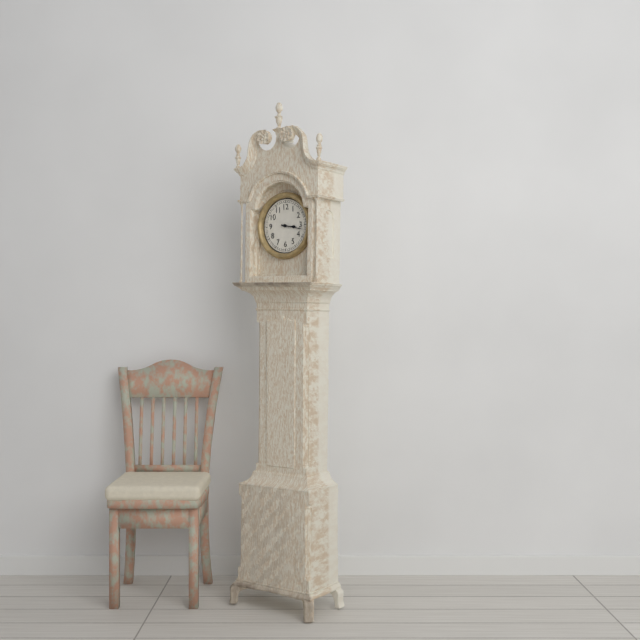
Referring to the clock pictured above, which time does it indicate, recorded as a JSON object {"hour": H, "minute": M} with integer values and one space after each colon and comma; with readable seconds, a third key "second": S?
{"hour": 3, "minute": 17}
